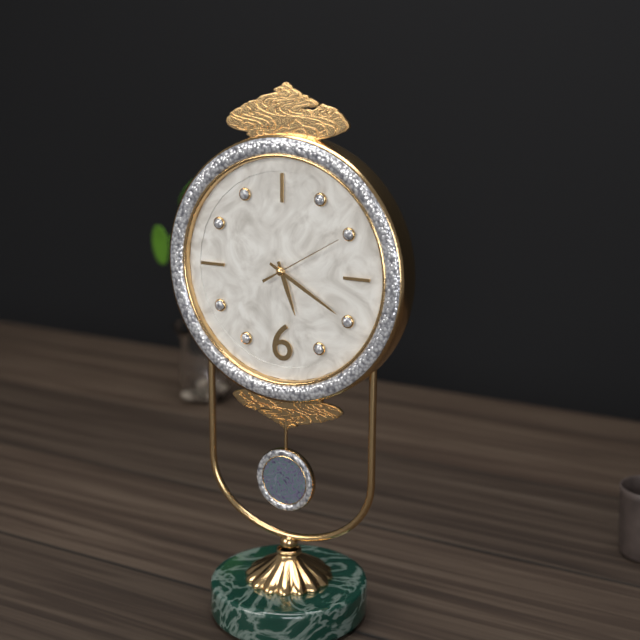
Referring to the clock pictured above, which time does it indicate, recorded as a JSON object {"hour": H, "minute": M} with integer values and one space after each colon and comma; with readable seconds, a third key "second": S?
{"hour": 5, "minute": 20, "second": 10}
